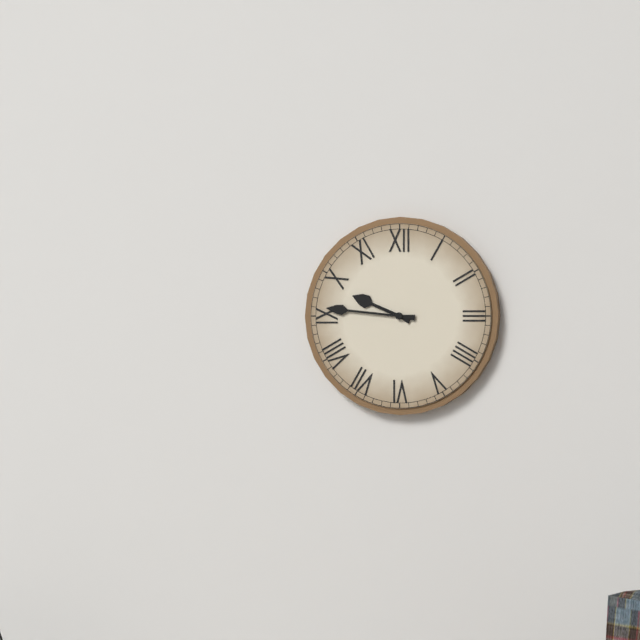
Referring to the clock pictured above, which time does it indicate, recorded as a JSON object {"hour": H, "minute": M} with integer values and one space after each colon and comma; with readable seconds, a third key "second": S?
{"hour": 9, "minute": 46}
